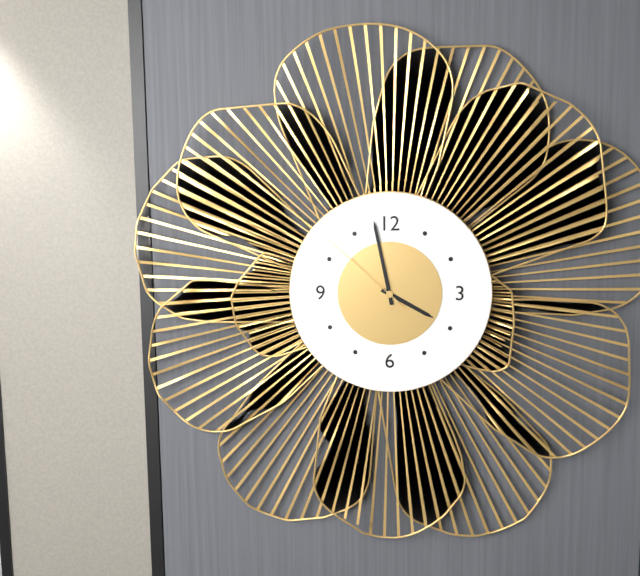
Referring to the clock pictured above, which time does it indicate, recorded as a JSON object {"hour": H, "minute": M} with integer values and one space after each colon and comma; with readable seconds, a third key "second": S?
{"hour": 3, "minute": 58, "second": 52}
